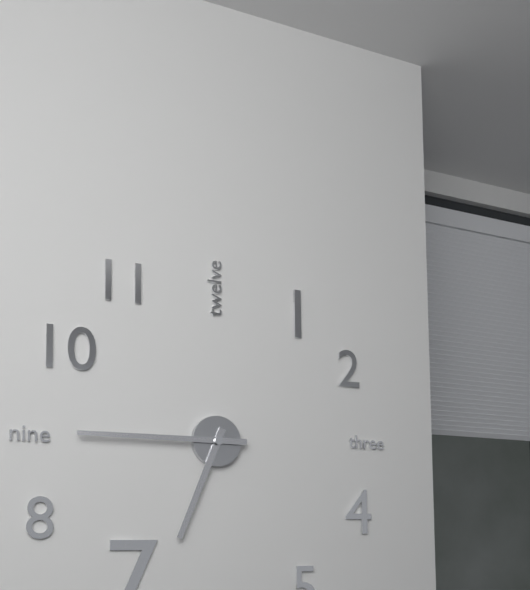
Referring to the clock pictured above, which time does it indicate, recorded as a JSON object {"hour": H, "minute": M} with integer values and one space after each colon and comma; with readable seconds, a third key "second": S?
{"hour": 6, "minute": 45}
